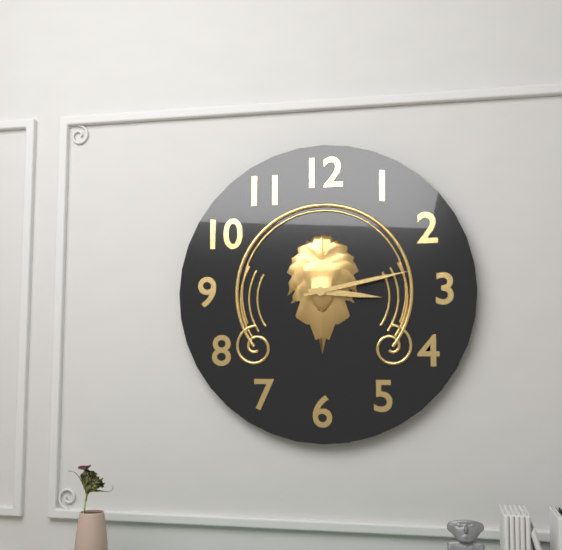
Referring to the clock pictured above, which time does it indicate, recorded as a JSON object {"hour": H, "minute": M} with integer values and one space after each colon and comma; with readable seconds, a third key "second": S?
{"hour": 3, "minute": 13}
